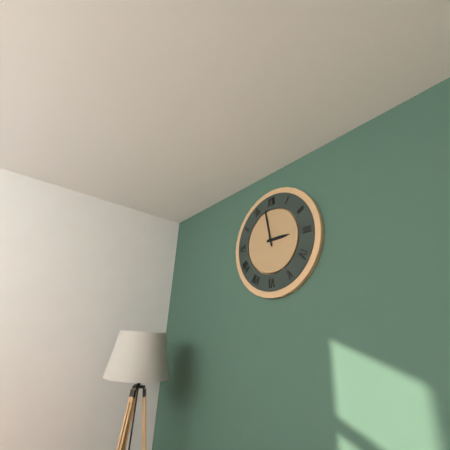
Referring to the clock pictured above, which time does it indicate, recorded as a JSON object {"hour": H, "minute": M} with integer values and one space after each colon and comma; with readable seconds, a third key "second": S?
{"hour": 2, "minute": 58}
